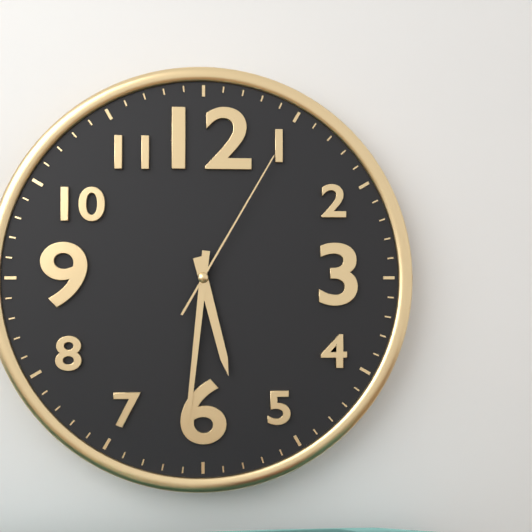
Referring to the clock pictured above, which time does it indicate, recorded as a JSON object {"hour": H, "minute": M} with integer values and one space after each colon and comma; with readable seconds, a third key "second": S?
{"hour": 5, "minute": 31, "second": 5}
